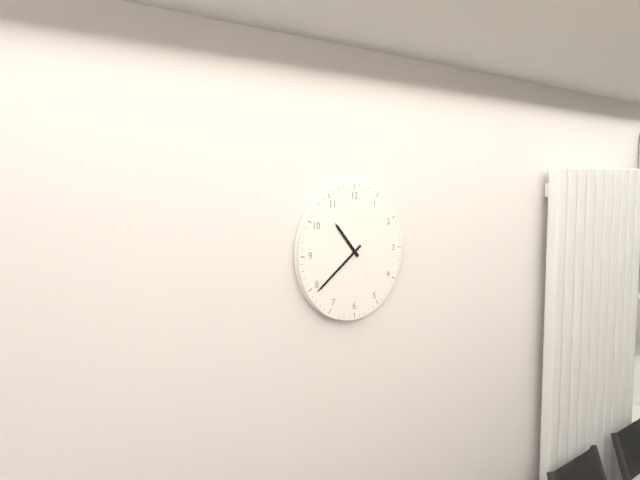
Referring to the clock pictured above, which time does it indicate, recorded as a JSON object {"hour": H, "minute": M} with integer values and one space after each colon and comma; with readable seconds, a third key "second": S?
{"hour": 10, "minute": 39}
